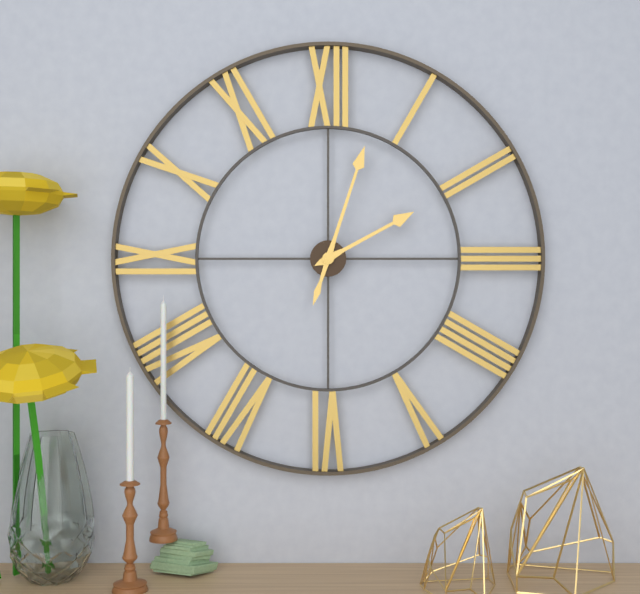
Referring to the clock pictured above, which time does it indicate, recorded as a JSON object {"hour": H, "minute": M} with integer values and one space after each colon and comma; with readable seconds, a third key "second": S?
{"hour": 2, "minute": 3}
